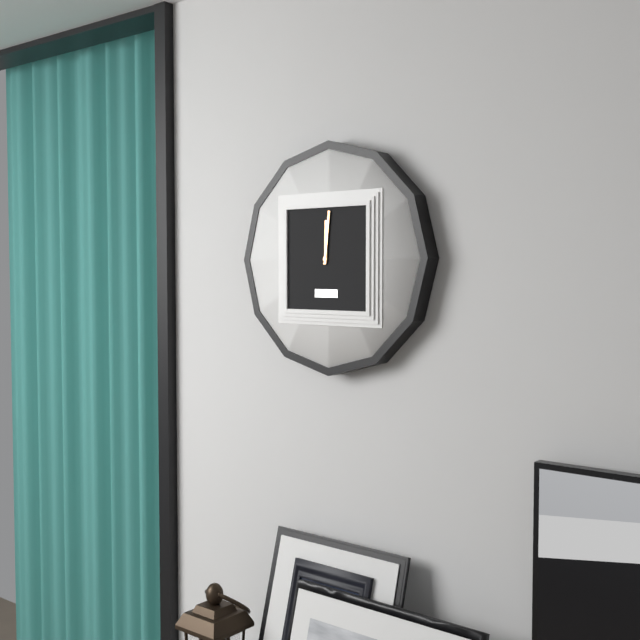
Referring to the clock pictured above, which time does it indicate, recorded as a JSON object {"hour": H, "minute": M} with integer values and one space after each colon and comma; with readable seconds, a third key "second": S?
{"hour": 12, "minute": 1}
